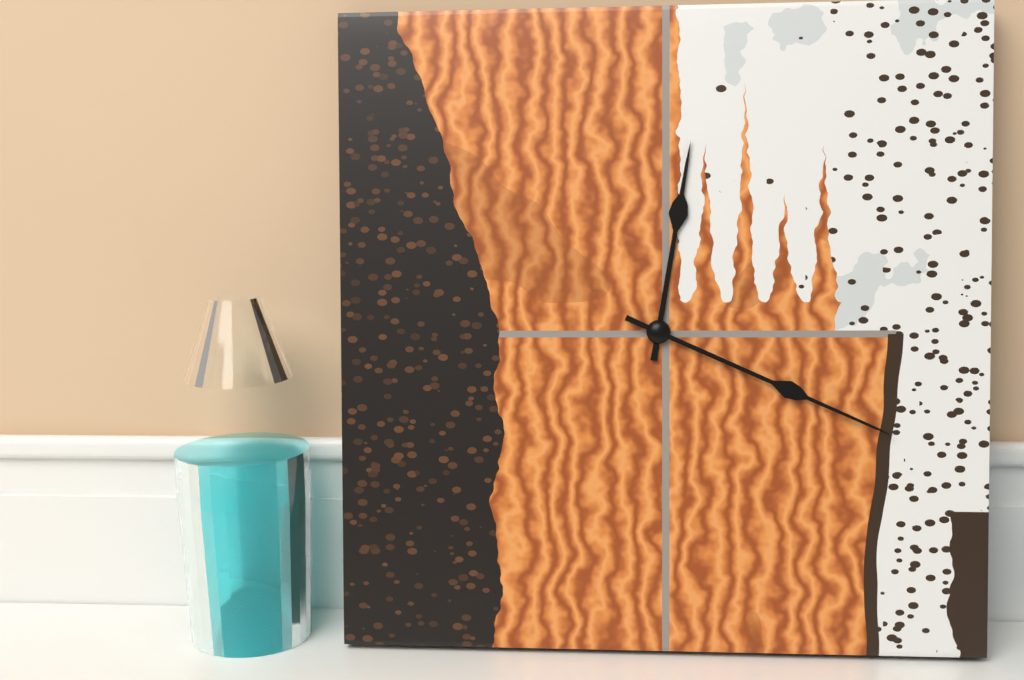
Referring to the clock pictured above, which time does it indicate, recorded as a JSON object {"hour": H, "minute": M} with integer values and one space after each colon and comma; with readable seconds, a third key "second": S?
{"hour": 12, "minute": 19}
